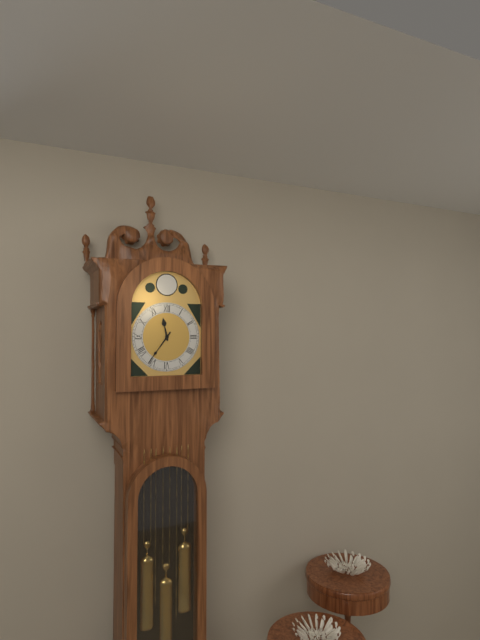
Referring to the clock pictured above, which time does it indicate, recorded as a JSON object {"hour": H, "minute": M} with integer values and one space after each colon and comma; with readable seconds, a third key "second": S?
{"hour": 11, "minute": 36}
